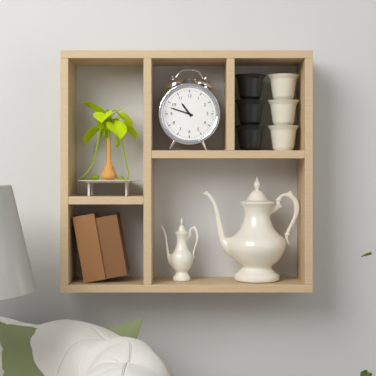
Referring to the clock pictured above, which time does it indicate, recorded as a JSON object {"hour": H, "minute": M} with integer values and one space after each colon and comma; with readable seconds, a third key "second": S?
{"hour": 10, "minute": 48}
